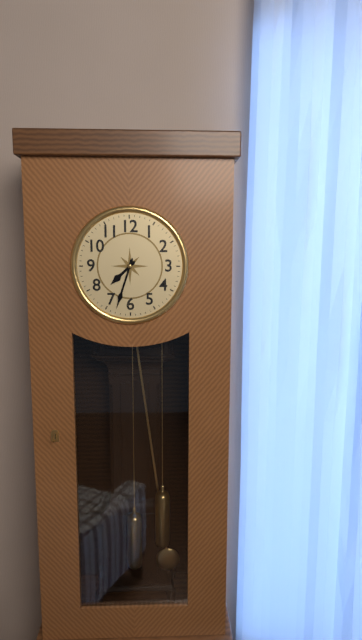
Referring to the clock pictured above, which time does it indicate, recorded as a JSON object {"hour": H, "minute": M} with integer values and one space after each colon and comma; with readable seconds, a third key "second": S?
{"hour": 7, "minute": 33}
